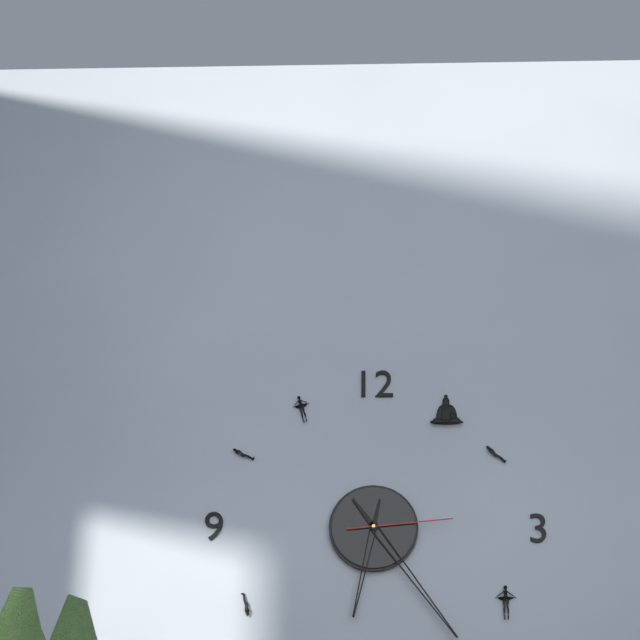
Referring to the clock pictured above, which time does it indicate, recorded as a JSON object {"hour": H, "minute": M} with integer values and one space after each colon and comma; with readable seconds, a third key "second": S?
{"hour": 6, "minute": 24, "second": 14}
